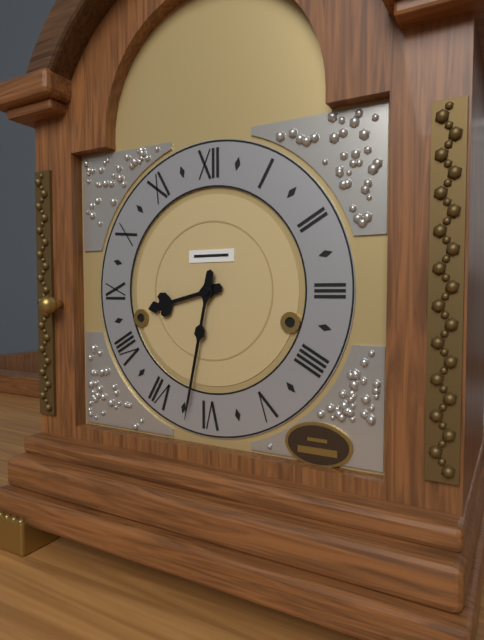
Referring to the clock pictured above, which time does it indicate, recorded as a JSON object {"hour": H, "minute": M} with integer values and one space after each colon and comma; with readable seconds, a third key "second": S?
{"hour": 8, "minute": 32}
